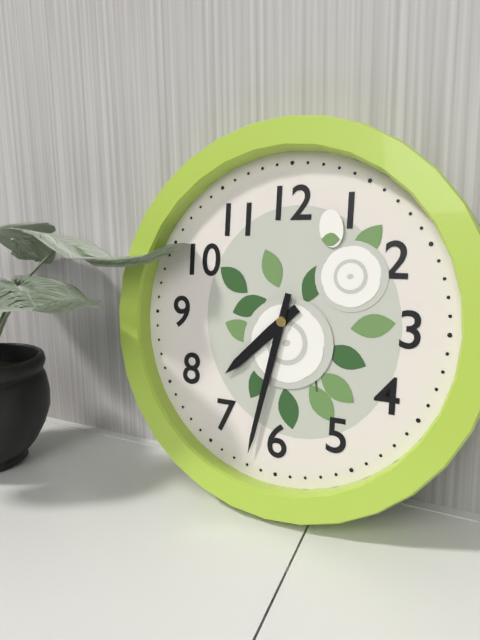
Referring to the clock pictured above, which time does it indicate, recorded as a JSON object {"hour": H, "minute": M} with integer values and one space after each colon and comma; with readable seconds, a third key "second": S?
{"hour": 7, "minute": 32}
